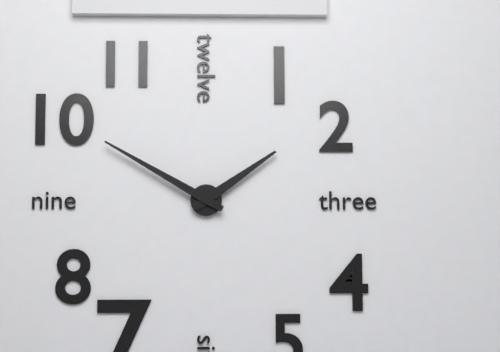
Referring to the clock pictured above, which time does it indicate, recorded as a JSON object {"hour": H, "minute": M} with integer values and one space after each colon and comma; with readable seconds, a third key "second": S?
{"hour": 1, "minute": 50}
